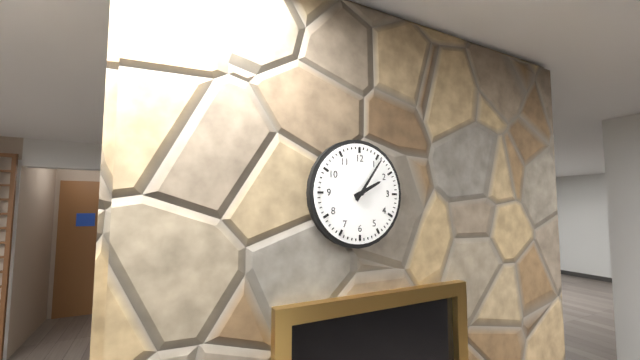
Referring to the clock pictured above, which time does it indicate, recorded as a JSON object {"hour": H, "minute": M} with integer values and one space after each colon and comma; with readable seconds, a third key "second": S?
{"hour": 2, "minute": 6}
